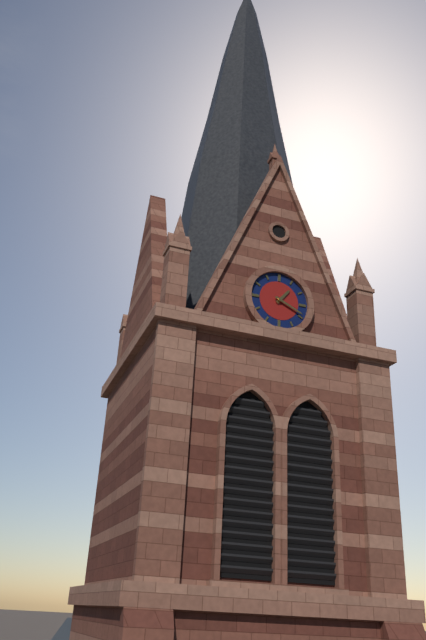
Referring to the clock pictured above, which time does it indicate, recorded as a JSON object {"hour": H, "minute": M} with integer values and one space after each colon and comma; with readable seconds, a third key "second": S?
{"hour": 1, "minute": 19}
